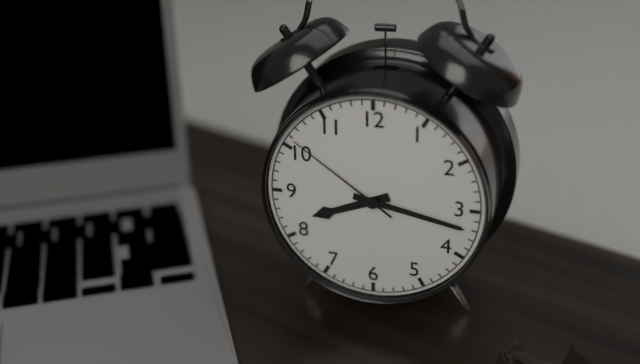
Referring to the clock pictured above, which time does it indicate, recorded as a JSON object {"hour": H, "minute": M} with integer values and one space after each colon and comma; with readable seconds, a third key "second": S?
{"hour": 8, "minute": 17, "second": 51}
